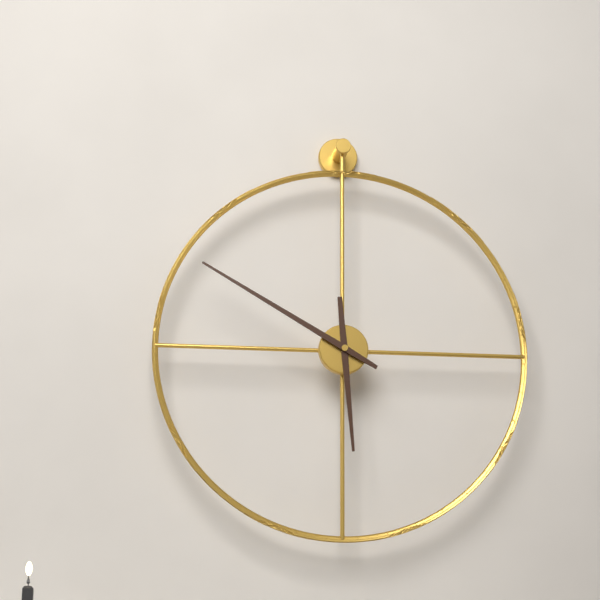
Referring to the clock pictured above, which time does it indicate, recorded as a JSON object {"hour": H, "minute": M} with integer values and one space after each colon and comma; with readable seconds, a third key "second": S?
{"hour": 5, "minute": 50}
